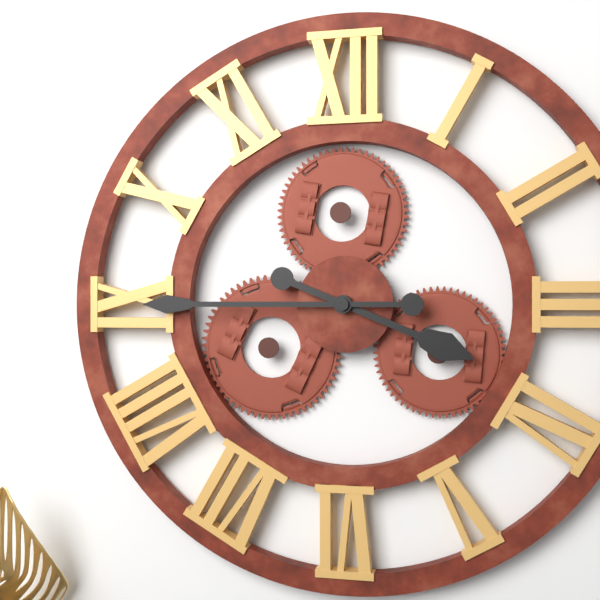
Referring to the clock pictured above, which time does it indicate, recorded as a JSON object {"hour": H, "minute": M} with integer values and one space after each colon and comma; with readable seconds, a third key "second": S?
{"hour": 3, "minute": 45}
